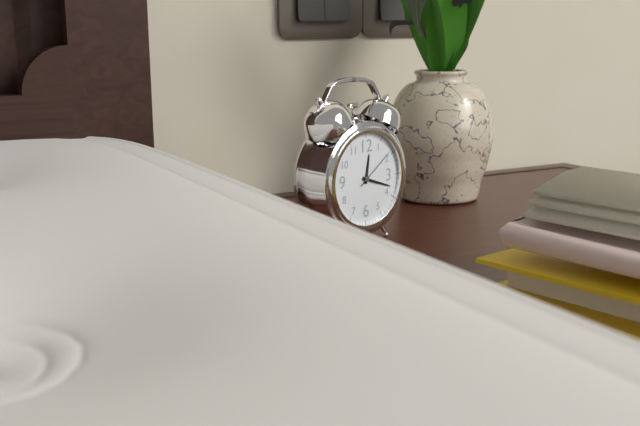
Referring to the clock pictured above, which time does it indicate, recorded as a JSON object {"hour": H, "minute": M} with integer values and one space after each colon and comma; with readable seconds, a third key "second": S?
{"hour": 12, "minute": 18}
